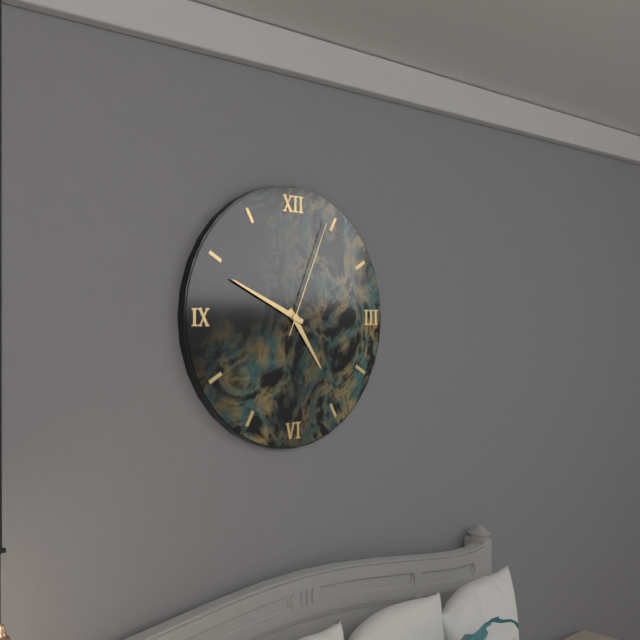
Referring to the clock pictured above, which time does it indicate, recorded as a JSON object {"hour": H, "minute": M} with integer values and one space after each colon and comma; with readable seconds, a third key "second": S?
{"hour": 4, "minute": 49, "second": 4}
